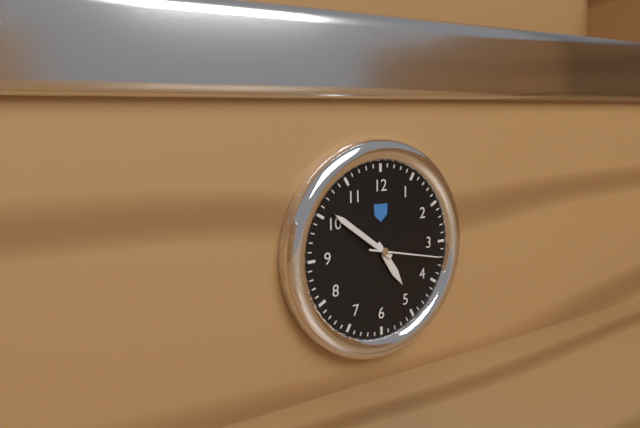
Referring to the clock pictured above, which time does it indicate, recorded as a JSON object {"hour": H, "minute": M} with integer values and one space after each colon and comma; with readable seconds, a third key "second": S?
{"hour": 4, "minute": 51, "second": 17}
